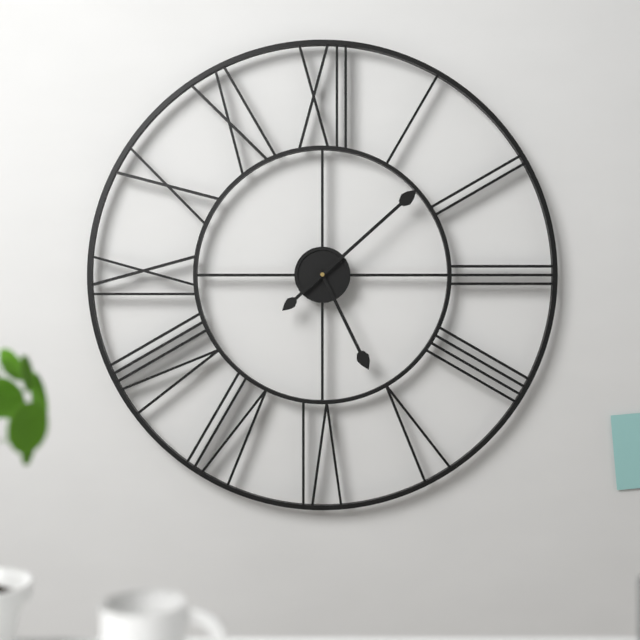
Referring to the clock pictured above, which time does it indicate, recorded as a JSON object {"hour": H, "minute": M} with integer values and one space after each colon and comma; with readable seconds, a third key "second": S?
{"hour": 5, "minute": 8}
